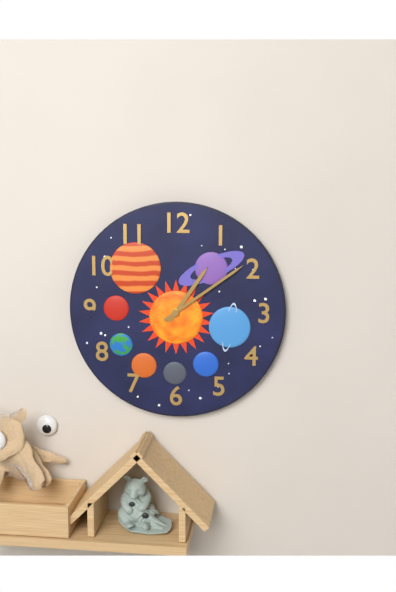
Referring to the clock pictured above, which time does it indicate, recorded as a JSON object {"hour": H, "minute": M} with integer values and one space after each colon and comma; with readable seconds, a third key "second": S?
{"hour": 1, "minute": 9}
